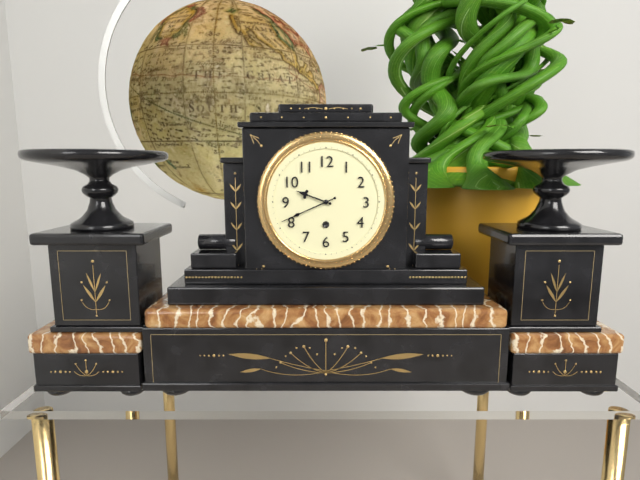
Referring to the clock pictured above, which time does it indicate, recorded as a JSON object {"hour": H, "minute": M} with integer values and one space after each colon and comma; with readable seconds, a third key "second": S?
{"hour": 9, "minute": 41}
